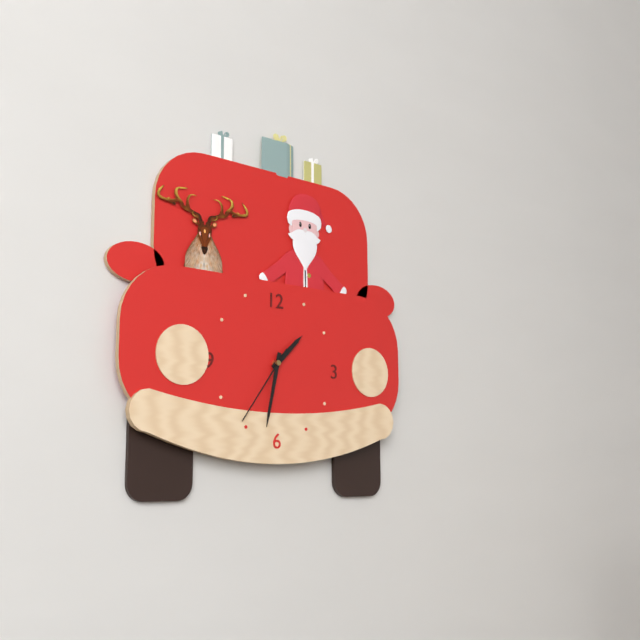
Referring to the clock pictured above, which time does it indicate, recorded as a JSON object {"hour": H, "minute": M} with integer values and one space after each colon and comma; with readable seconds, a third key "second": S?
{"hour": 1, "minute": 32, "second": 36}
